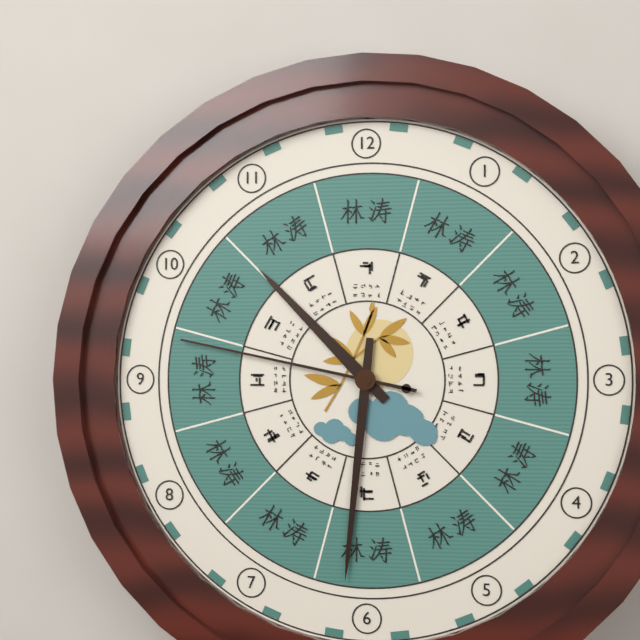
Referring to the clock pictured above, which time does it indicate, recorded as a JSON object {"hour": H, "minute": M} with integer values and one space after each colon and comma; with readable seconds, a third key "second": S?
{"hour": 10, "minute": 31, "second": 47}
